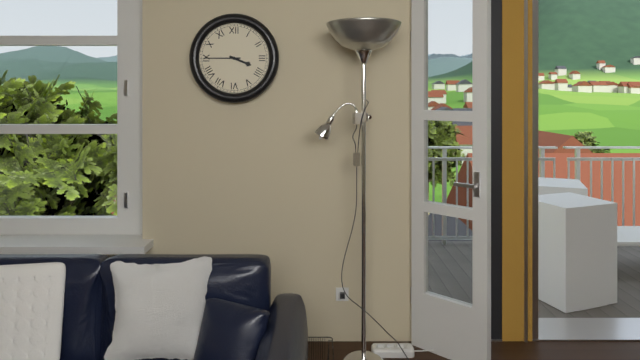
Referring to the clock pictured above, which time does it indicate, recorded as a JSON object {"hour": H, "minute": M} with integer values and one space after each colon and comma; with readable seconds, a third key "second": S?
{"hour": 3, "minute": 45}
